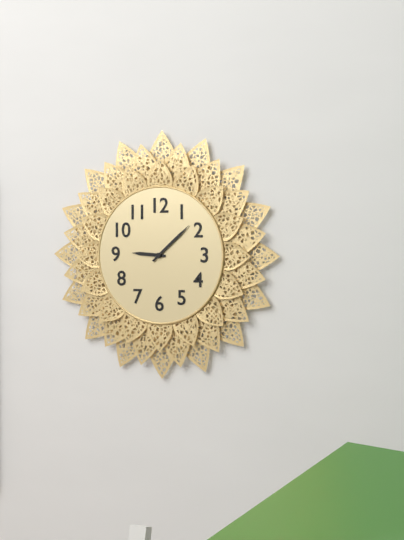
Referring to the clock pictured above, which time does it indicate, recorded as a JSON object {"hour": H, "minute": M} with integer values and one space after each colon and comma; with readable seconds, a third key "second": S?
{"hour": 9, "minute": 8}
